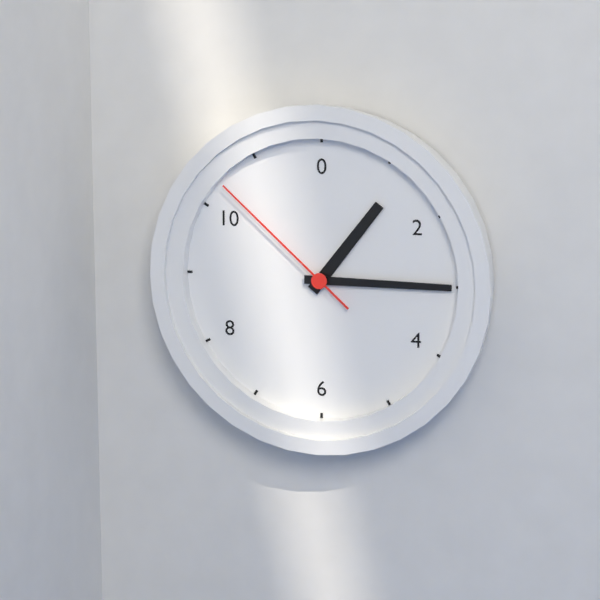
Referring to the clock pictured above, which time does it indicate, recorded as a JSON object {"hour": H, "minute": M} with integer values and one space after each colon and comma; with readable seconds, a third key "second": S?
{"hour": 1, "minute": 15, "second": 52}
